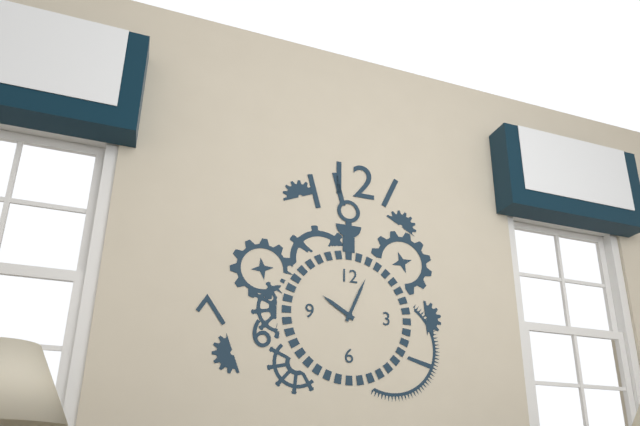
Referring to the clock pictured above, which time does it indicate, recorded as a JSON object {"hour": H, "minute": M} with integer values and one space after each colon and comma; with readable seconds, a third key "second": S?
{"hour": 10, "minute": 4}
